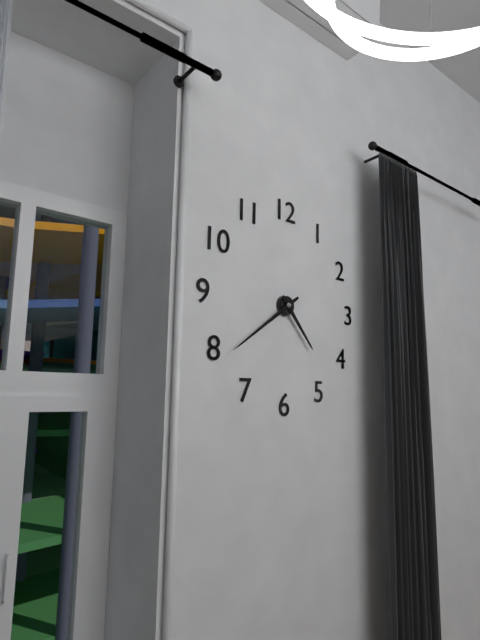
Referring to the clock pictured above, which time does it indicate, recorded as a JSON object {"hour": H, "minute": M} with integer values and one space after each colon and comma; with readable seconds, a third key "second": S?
{"hour": 4, "minute": 39}
